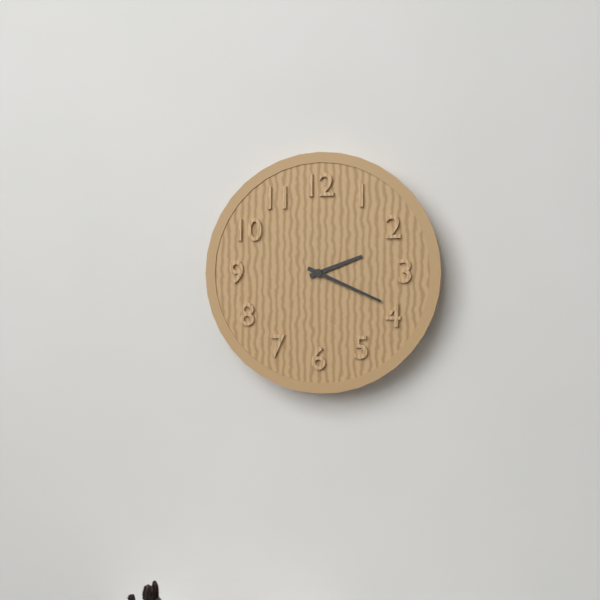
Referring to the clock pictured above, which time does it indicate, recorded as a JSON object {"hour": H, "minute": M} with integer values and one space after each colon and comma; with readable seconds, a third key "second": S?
{"hour": 2, "minute": 19}
